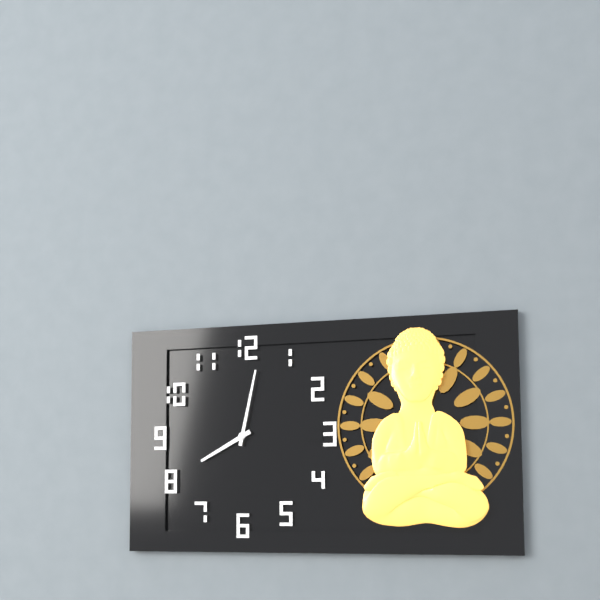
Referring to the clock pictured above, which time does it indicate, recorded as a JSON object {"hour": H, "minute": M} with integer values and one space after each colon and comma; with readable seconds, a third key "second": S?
{"hour": 8, "minute": 2}
